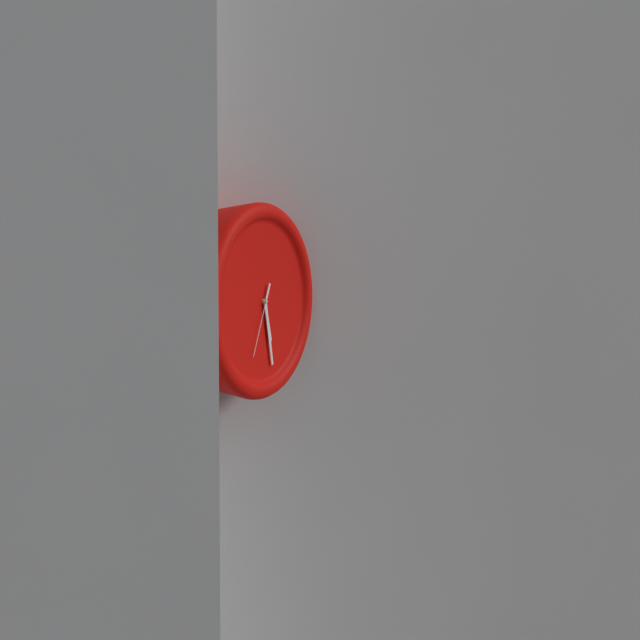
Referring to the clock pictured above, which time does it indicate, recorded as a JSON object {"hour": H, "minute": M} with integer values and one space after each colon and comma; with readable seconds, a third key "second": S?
{"hour": 5, "minute": 28, "second": 34}
